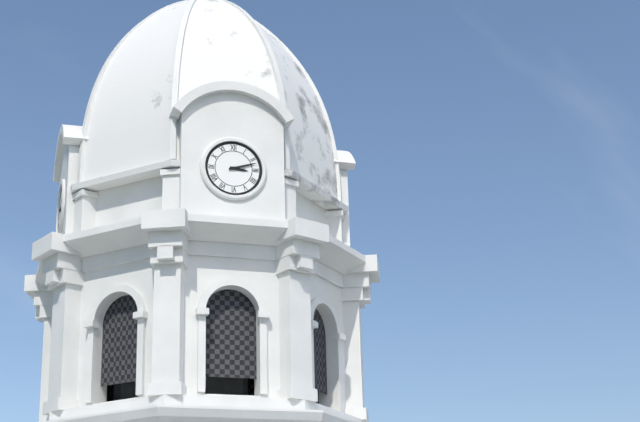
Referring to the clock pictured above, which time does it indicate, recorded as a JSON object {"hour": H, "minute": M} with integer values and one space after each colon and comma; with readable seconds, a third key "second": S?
{"hour": 3, "minute": 12}
